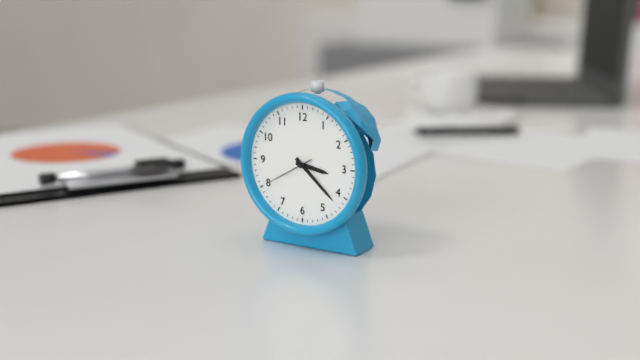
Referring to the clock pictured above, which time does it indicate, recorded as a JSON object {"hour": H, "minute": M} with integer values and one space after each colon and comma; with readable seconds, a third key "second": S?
{"hour": 3, "minute": 22}
